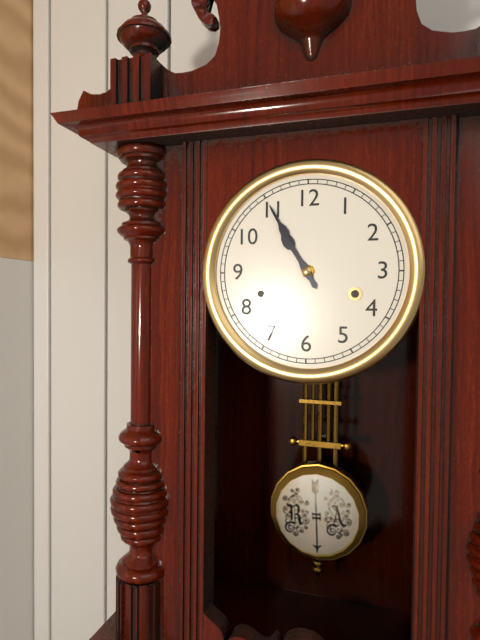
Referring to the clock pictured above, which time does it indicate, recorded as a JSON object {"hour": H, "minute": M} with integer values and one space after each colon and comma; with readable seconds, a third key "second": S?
{"hour": 10, "minute": 55}
